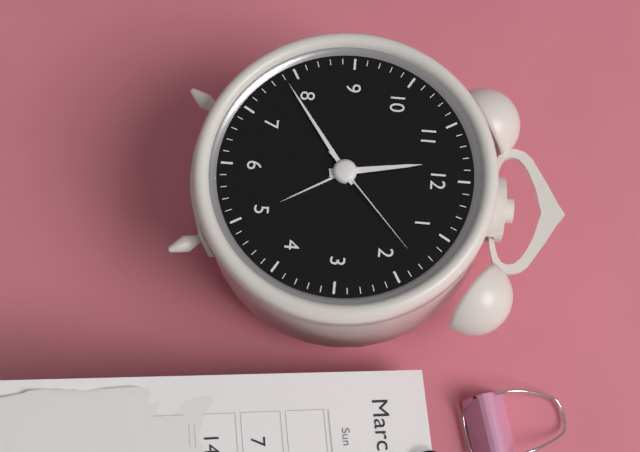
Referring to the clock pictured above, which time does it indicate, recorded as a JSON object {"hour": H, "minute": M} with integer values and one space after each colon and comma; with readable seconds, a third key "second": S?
{"hour": 11, "minute": 39, "second": 8}
